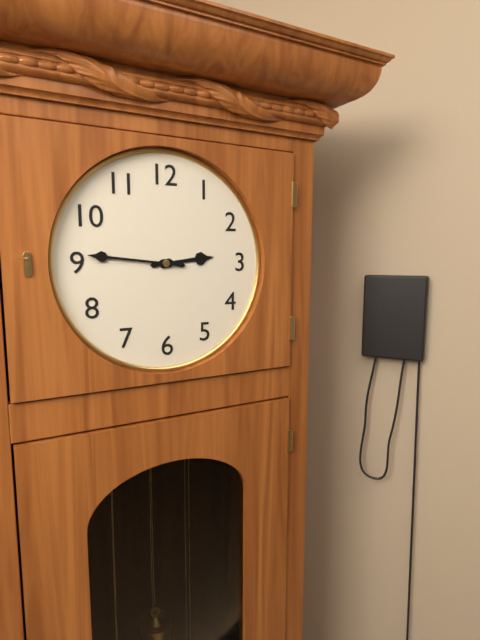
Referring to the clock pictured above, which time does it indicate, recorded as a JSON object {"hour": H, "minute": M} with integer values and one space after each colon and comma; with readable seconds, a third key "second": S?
{"hour": 2, "minute": 46}
